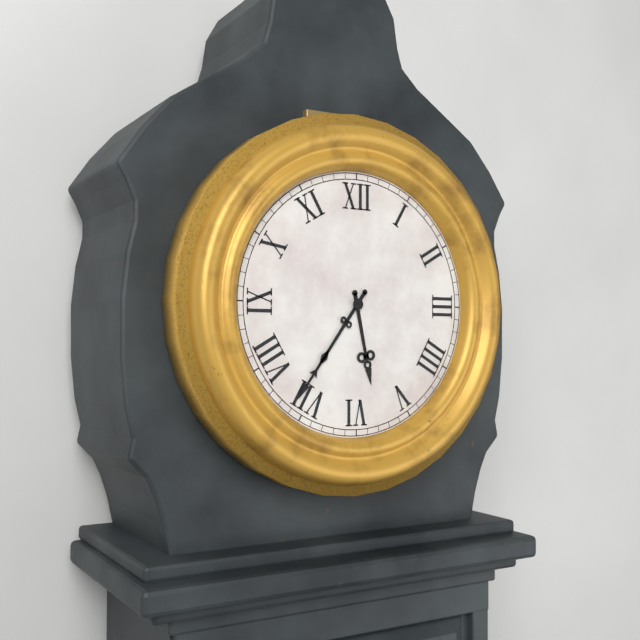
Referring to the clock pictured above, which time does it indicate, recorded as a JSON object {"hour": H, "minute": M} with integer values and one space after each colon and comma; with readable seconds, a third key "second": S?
{"hour": 5, "minute": 36}
